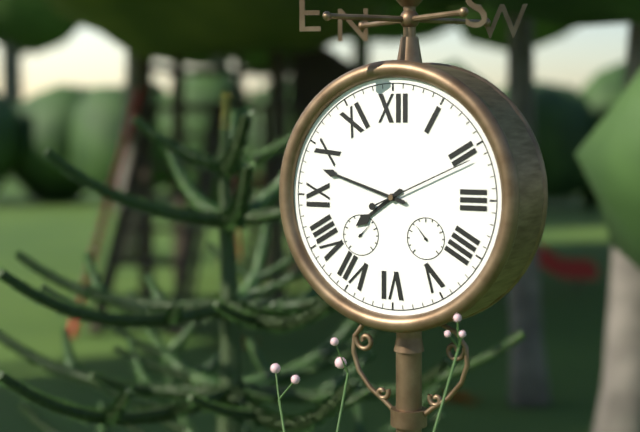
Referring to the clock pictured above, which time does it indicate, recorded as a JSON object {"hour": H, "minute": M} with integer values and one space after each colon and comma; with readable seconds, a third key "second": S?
{"hour": 7, "minute": 48, "second": 11}
